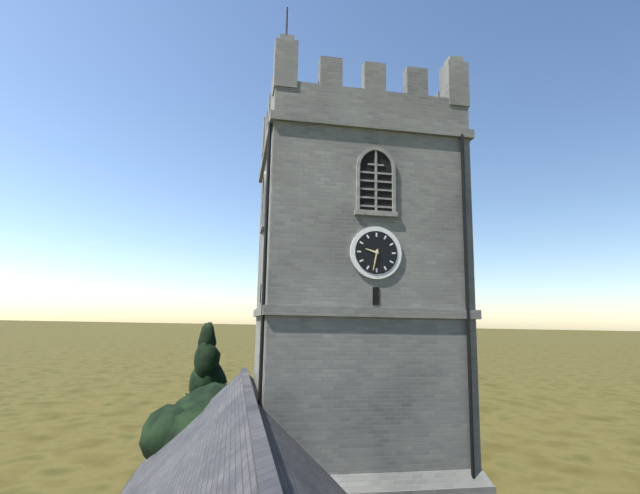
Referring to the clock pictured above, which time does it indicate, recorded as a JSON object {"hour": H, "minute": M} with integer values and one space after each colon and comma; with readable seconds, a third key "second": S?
{"hour": 9, "minute": 32}
